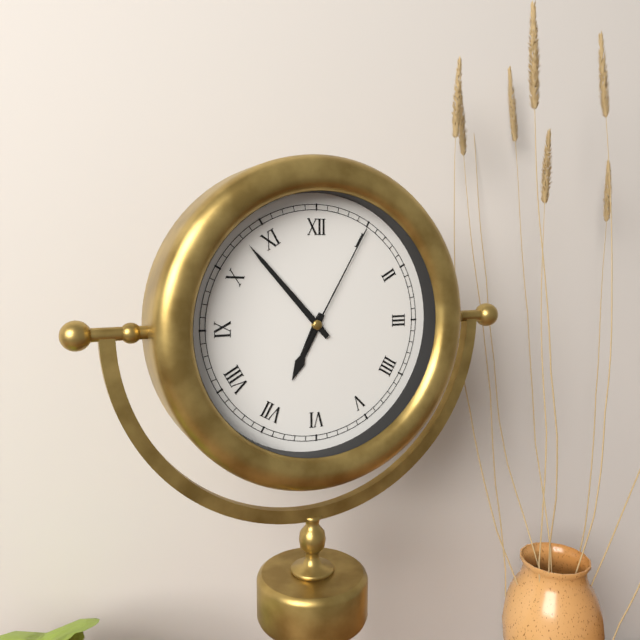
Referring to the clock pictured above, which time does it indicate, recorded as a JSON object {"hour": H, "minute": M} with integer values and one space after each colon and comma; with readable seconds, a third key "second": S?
{"hour": 6, "minute": 53, "second": 5}
